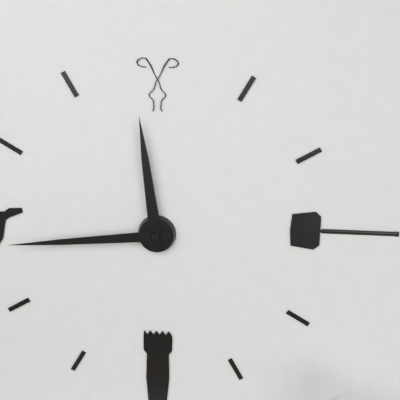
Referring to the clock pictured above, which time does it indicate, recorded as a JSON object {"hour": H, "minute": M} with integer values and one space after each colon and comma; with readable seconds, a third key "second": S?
{"hour": 11, "minute": 44}
